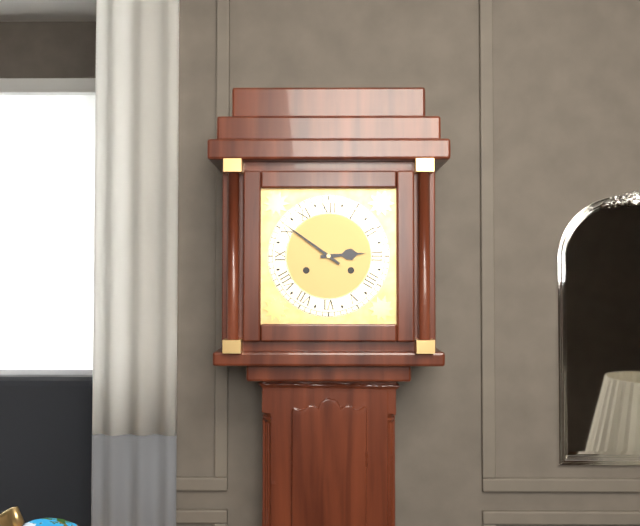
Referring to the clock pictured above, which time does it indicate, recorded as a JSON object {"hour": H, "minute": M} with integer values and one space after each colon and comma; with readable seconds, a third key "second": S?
{"hour": 2, "minute": 51}
